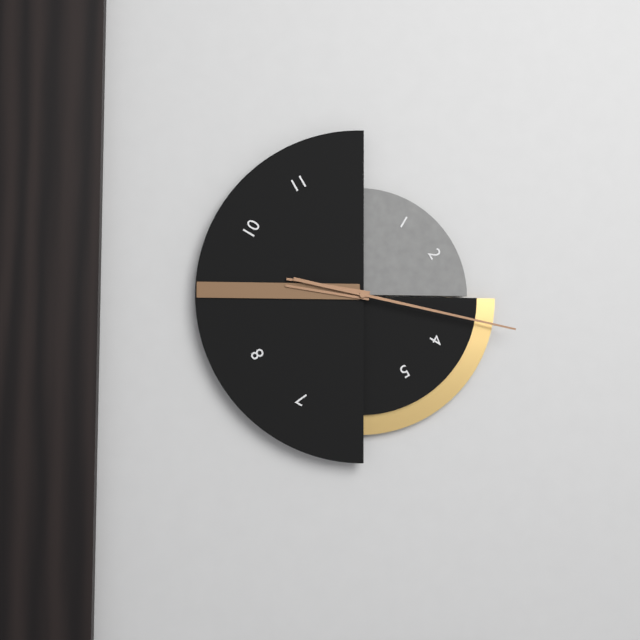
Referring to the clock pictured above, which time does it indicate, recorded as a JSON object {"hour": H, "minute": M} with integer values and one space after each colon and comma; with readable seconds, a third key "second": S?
{"hour": 9, "minute": 17}
